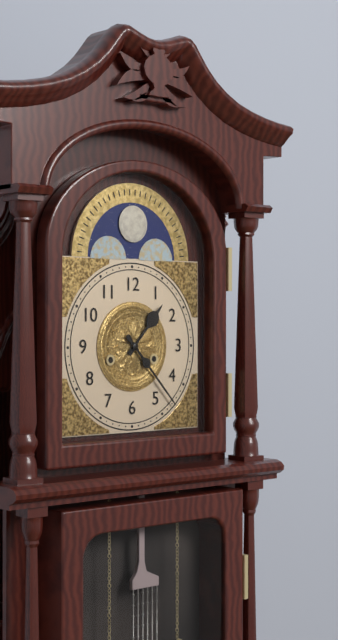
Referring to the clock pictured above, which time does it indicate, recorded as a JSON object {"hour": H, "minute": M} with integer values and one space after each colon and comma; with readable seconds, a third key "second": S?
{"hour": 1, "minute": 23}
